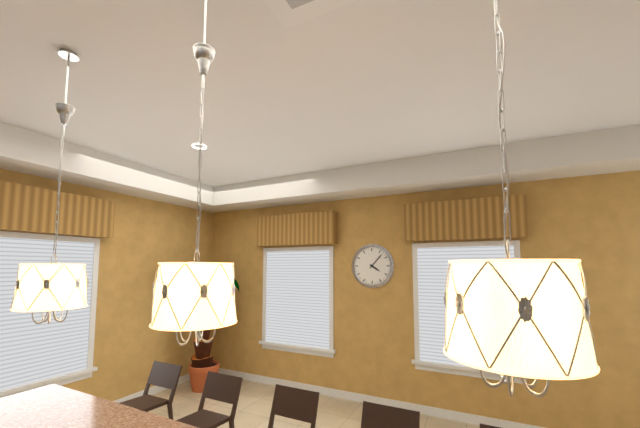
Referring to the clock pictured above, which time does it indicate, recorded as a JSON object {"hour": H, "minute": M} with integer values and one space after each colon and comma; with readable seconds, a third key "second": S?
{"hour": 4, "minute": 7}
